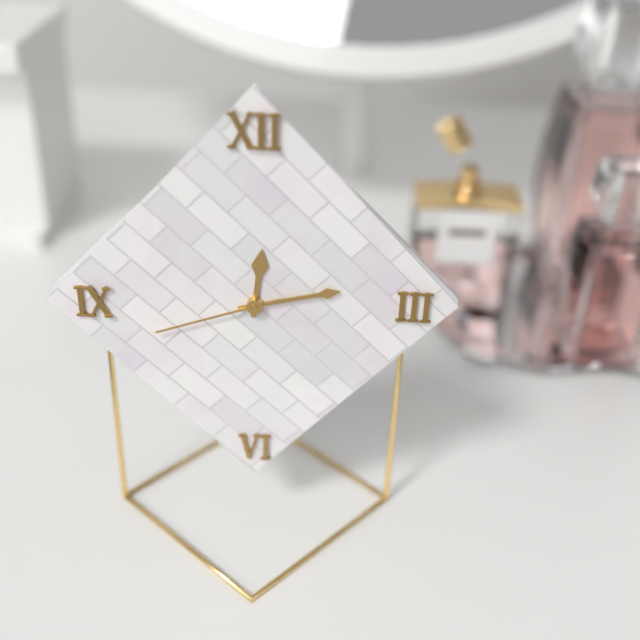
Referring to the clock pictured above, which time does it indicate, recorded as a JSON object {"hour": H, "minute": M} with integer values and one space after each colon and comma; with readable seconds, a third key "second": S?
{"hour": 12, "minute": 13, "second": 42}
